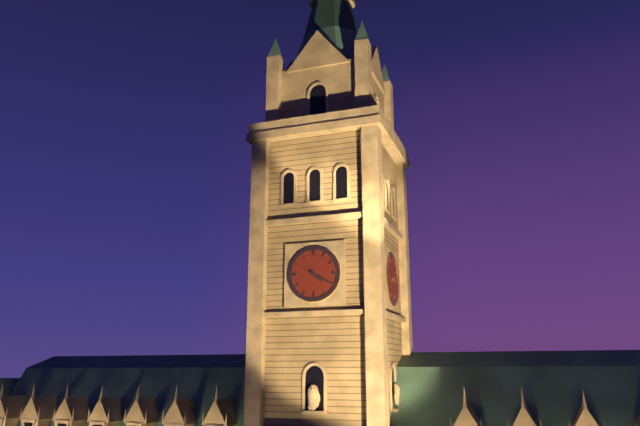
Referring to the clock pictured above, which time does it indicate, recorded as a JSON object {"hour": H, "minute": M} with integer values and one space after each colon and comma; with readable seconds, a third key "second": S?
{"hour": 4, "minute": 20}
